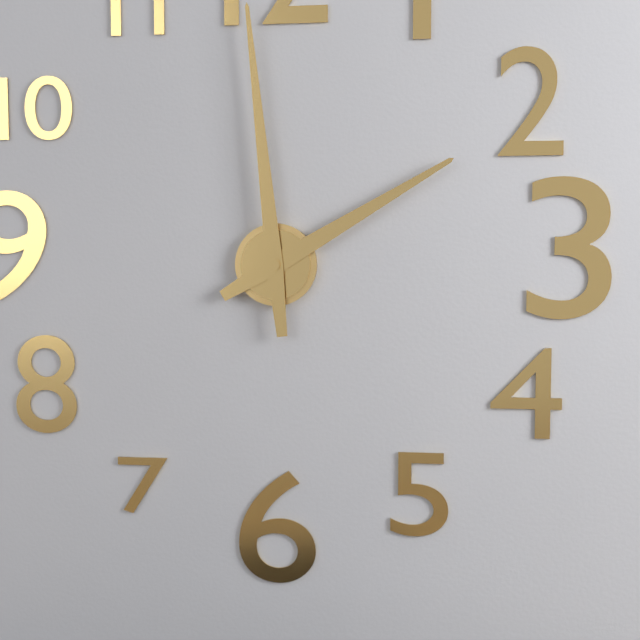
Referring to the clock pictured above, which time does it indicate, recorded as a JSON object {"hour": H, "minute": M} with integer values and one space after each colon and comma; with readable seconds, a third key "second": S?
{"hour": 1, "minute": 59}
